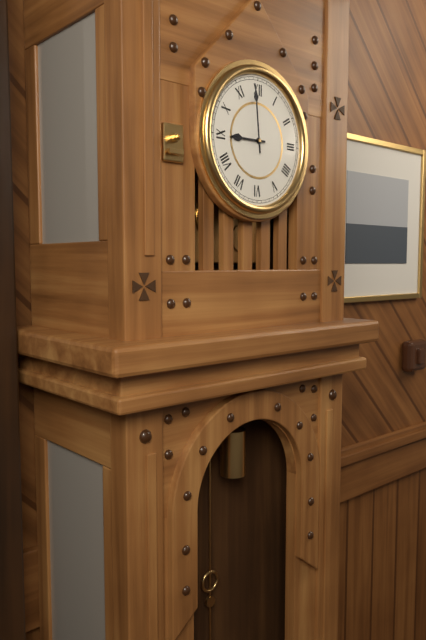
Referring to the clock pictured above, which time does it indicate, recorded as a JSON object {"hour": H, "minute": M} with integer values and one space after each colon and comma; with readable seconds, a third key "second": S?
{"hour": 8, "minute": 59}
